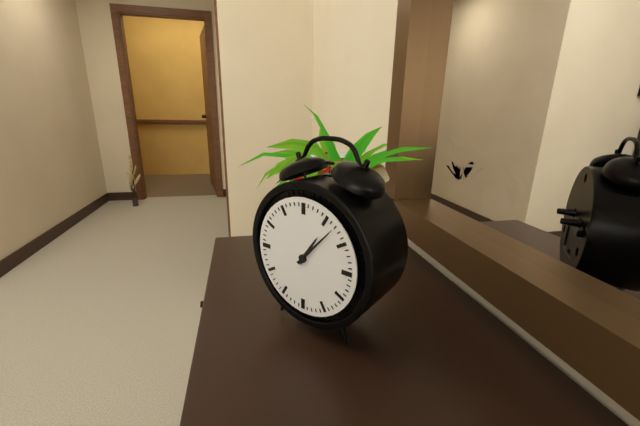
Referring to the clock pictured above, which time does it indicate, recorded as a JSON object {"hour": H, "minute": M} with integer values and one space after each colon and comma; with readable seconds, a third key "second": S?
{"hour": 1, "minute": 7}
